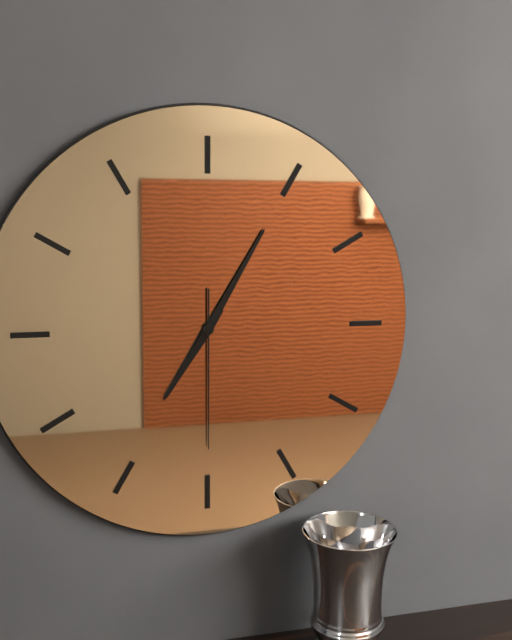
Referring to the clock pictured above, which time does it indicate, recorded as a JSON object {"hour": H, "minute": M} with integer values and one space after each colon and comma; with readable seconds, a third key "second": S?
{"hour": 7, "minute": 5, "second": 30}
